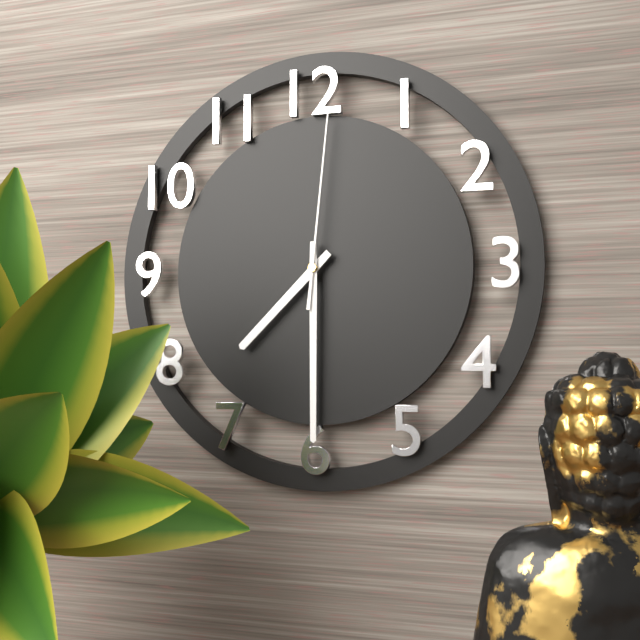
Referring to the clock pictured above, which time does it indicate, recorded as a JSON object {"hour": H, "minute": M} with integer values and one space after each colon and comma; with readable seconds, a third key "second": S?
{"hour": 7, "minute": 30, "second": 1}
